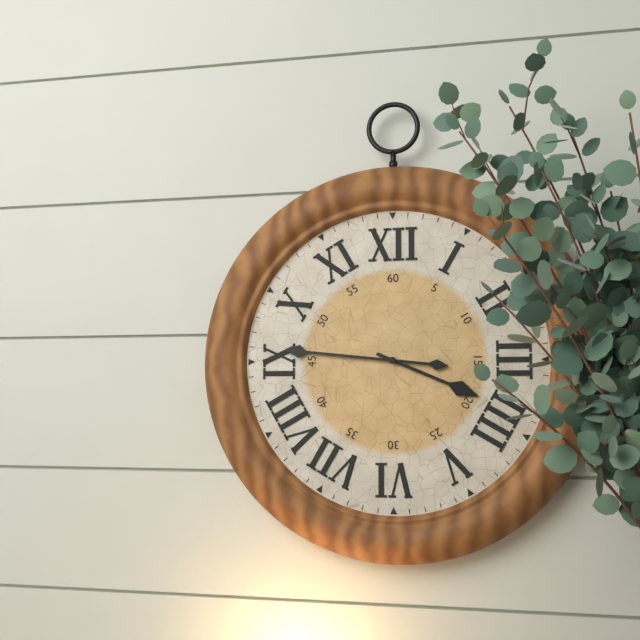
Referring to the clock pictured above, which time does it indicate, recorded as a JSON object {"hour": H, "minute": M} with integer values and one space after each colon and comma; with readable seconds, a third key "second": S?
{"hour": 3, "minute": 46}
